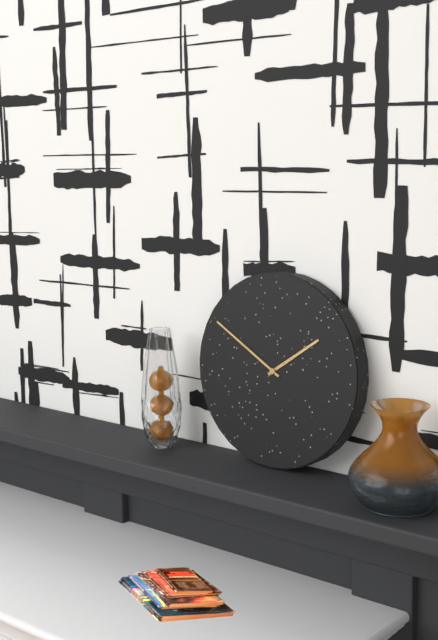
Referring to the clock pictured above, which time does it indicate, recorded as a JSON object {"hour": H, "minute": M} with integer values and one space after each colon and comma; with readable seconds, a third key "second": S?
{"hour": 1, "minute": 50}
